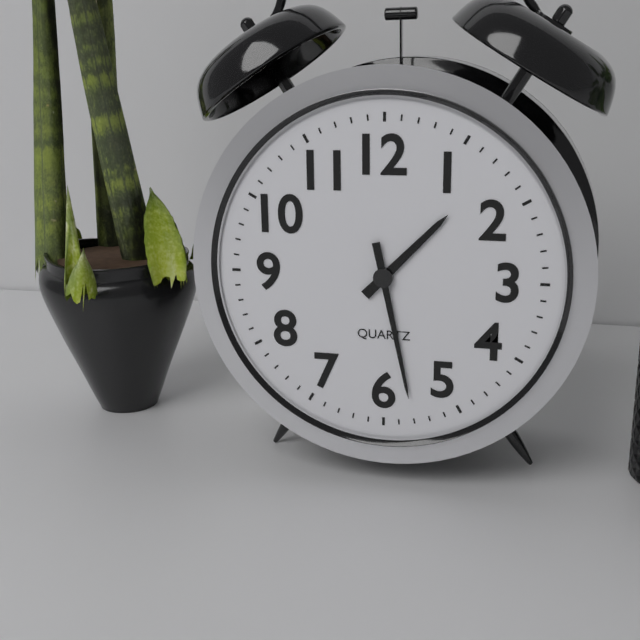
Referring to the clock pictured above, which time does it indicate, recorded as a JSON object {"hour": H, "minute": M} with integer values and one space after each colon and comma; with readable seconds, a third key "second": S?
{"hour": 1, "minute": 28}
